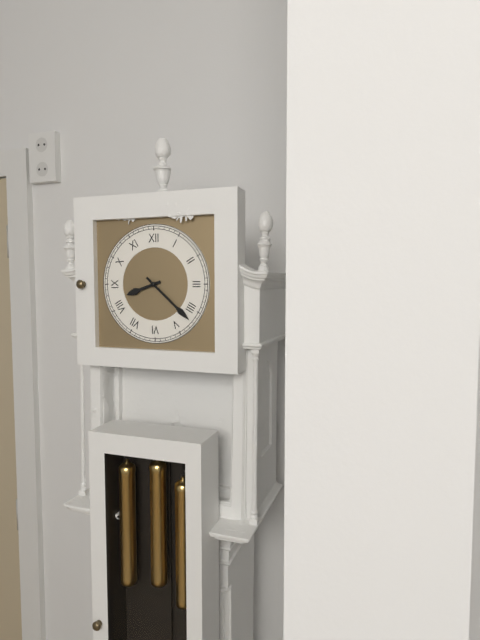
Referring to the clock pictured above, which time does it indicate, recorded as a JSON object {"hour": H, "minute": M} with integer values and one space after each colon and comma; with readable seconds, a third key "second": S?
{"hour": 8, "minute": 22}
